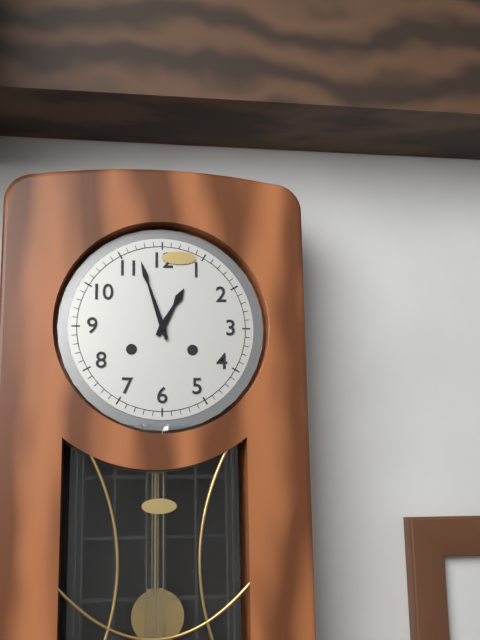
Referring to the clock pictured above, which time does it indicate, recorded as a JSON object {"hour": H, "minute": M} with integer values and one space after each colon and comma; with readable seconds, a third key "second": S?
{"hour": 12, "minute": 57}
